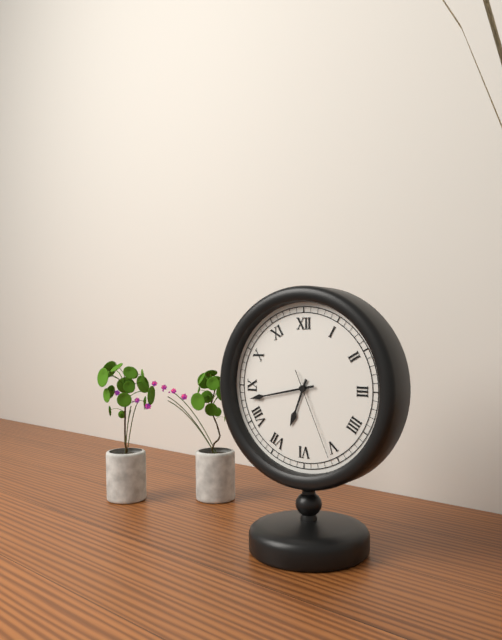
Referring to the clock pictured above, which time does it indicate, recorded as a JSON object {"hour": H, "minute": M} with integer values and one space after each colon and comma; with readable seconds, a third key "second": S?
{"hour": 6, "minute": 43, "second": 26}
